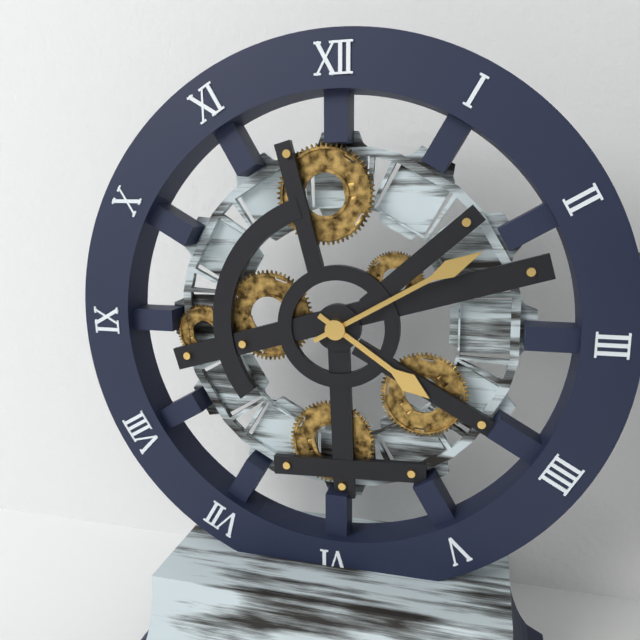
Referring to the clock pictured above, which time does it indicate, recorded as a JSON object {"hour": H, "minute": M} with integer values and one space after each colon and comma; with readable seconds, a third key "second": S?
{"hour": 4, "minute": 10}
